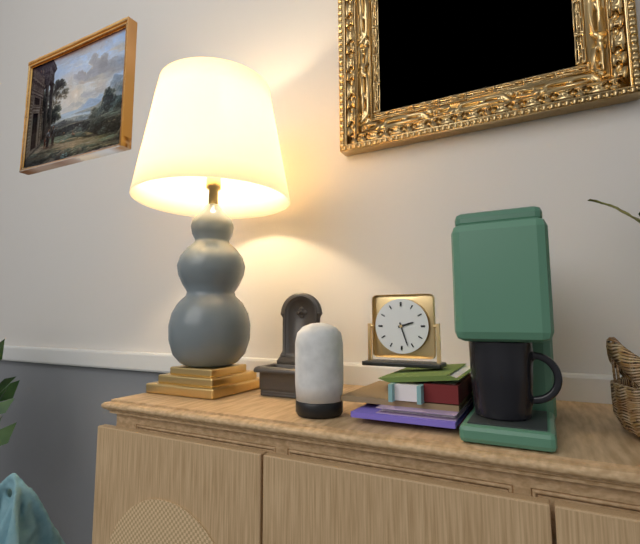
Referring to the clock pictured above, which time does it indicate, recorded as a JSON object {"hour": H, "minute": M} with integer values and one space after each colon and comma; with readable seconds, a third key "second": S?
{"hour": 2, "minute": 27}
